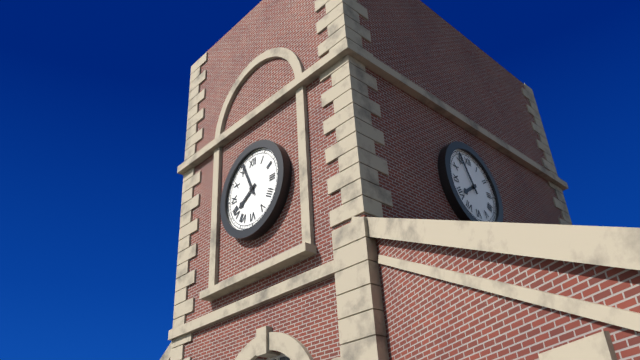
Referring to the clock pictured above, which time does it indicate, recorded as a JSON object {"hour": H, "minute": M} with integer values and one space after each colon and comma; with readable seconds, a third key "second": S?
{"hour": 7, "minute": 56}
